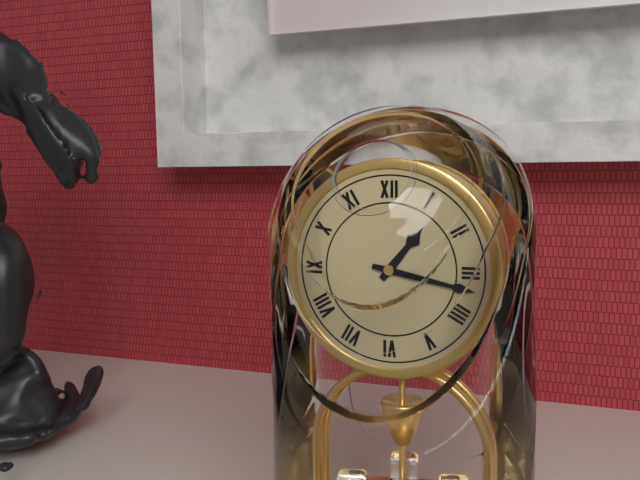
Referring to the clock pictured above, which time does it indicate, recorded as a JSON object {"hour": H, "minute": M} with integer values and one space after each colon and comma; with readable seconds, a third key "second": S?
{"hour": 1, "minute": 17}
